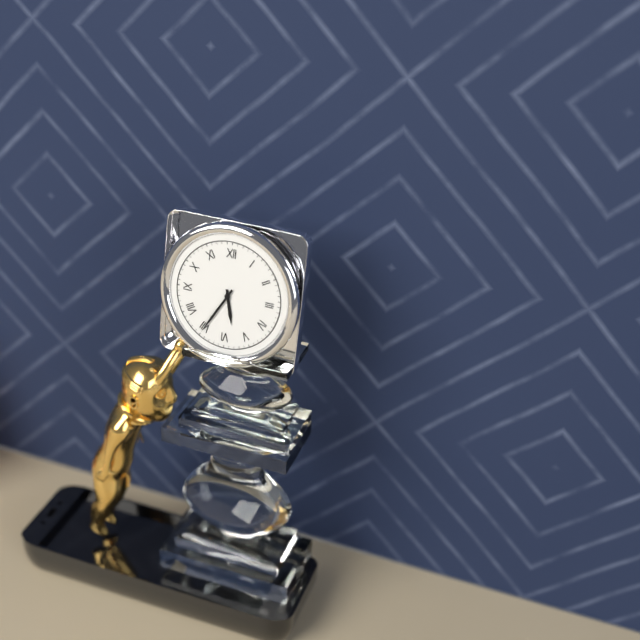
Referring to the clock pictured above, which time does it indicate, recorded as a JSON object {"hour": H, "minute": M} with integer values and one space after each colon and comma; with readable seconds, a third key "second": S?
{"hour": 5, "minute": 35}
